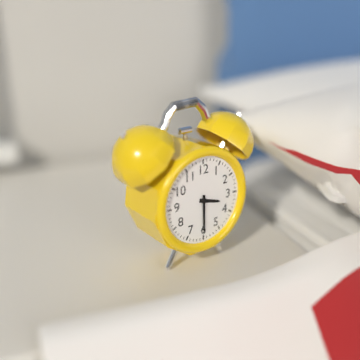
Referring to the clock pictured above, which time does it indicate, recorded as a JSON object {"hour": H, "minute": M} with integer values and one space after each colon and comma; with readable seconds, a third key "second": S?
{"hour": 3, "minute": 30}
